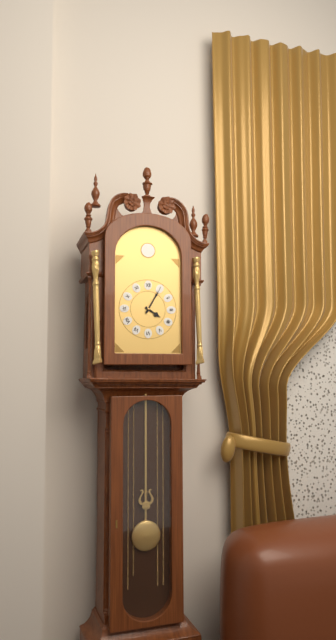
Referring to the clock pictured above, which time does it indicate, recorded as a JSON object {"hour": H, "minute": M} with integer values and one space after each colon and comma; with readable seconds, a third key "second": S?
{"hour": 4, "minute": 5}
